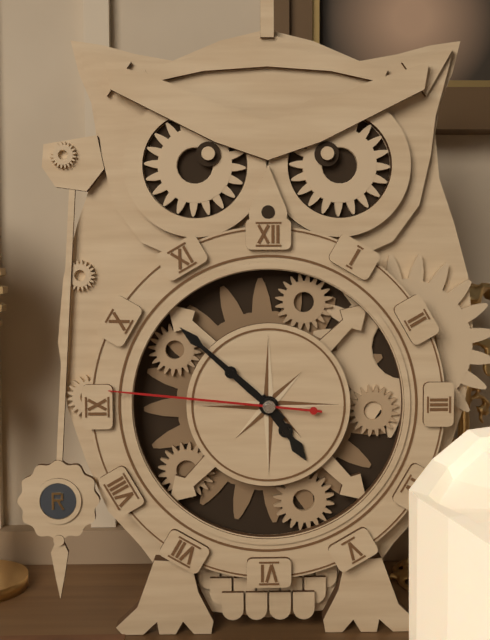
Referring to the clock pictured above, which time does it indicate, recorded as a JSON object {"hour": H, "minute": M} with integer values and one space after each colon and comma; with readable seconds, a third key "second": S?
{"hour": 4, "minute": 52, "second": 46}
